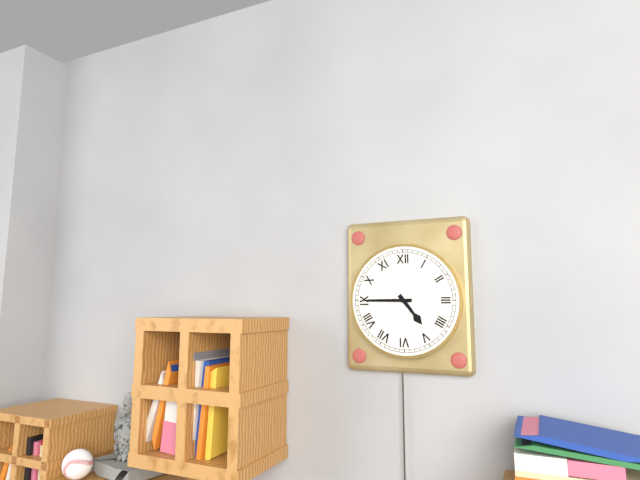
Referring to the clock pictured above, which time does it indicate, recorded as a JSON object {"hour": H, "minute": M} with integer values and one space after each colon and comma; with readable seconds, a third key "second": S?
{"hour": 4, "minute": 45}
